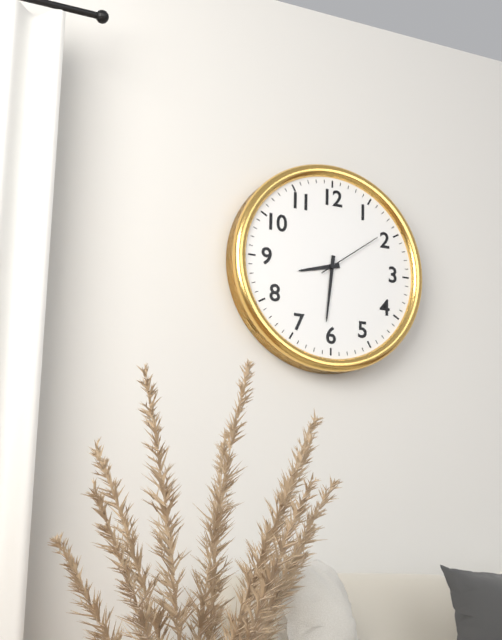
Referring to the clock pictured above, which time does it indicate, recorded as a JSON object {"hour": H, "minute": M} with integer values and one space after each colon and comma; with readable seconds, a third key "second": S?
{"hour": 8, "minute": 31, "second": 9}
